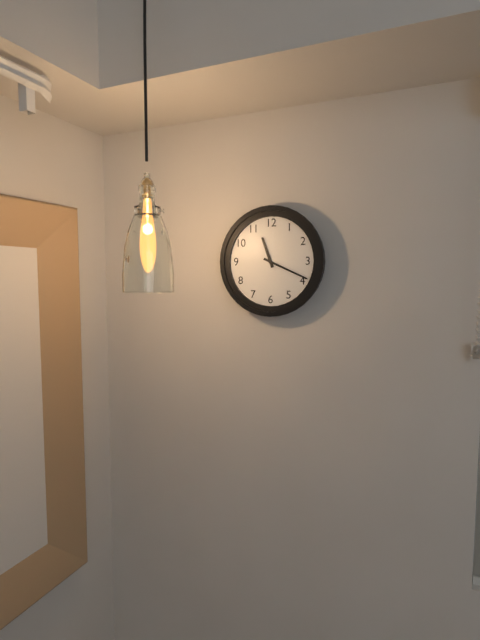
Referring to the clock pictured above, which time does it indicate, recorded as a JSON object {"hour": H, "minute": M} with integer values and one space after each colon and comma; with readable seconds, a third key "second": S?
{"hour": 11, "minute": 19}
